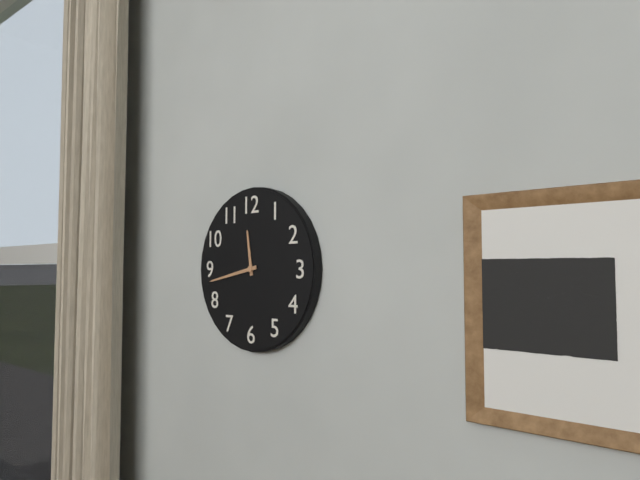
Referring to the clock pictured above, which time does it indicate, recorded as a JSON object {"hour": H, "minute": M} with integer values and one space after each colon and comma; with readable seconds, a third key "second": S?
{"hour": 11, "minute": 43}
